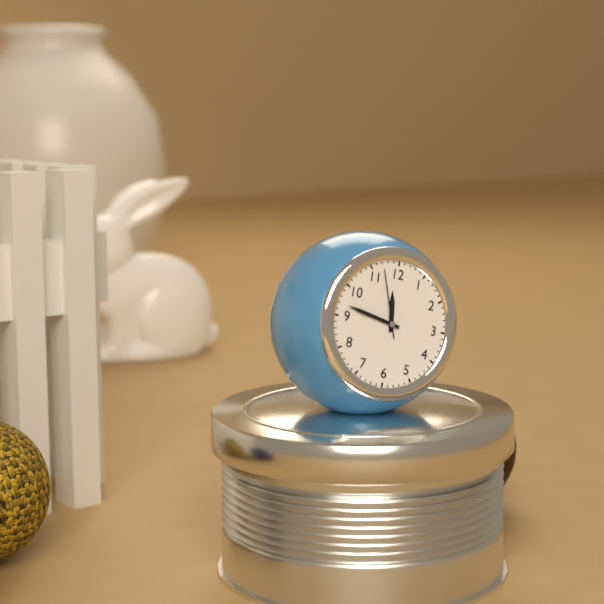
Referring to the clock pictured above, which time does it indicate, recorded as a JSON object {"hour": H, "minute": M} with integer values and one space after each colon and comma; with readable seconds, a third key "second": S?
{"hour": 11, "minute": 47, "second": 57}
